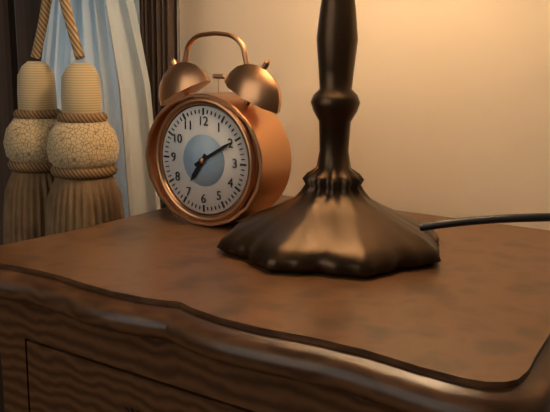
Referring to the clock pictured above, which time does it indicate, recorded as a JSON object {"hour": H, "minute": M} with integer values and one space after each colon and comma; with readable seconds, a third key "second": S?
{"hour": 7, "minute": 10}
